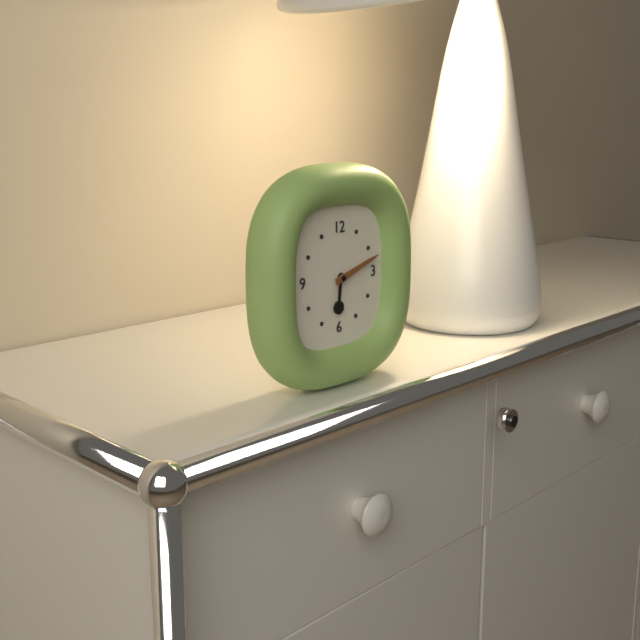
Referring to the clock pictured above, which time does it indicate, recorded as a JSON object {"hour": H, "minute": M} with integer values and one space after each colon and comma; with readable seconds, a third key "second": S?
{"hour": 6, "minute": 12}
